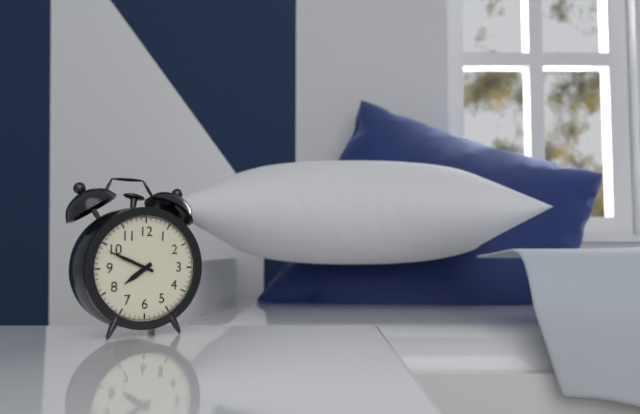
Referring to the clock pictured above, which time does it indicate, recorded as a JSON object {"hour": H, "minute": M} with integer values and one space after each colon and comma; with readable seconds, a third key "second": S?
{"hour": 7, "minute": 49}
